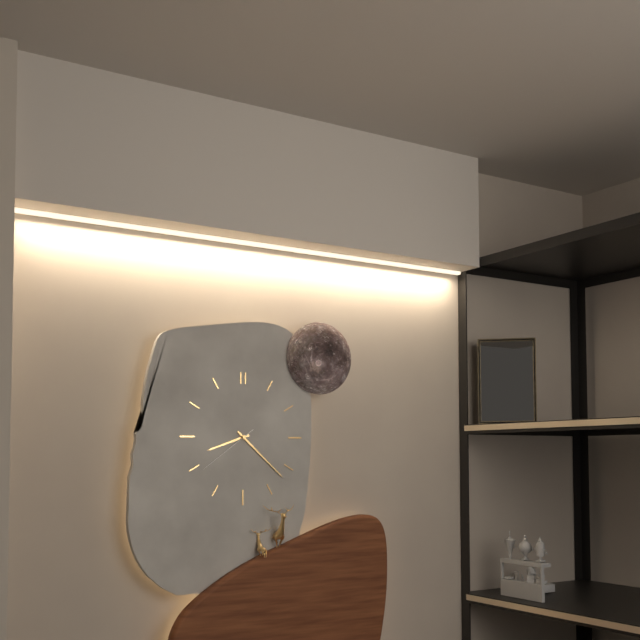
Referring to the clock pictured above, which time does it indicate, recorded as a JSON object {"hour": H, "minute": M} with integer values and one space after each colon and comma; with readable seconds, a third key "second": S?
{"hour": 8, "minute": 22, "second": 39}
